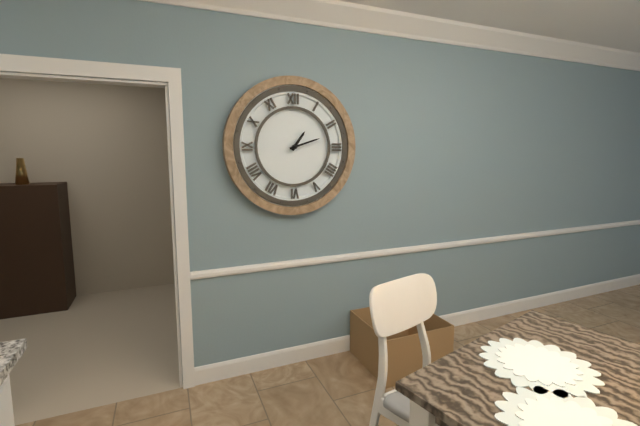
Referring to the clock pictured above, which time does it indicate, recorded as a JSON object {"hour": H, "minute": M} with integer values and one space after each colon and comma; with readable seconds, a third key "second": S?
{"hour": 1, "minute": 12}
